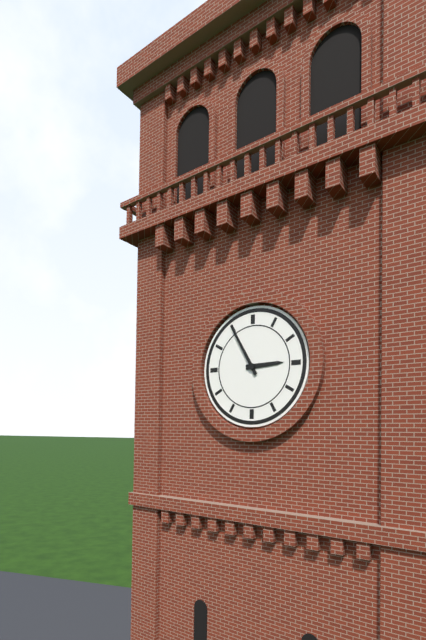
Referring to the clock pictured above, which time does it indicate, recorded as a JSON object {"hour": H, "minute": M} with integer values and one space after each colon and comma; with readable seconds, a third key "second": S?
{"hour": 2, "minute": 55}
